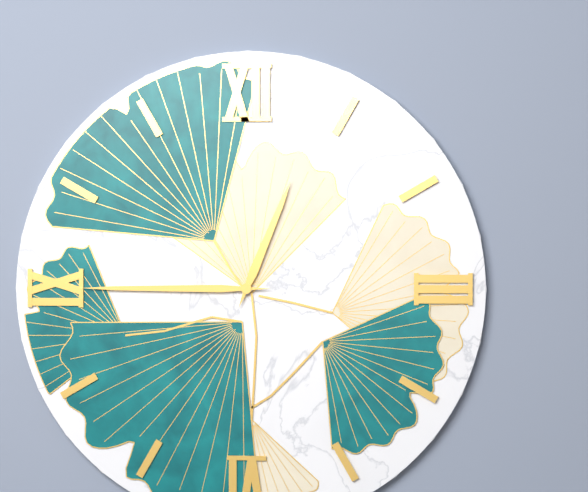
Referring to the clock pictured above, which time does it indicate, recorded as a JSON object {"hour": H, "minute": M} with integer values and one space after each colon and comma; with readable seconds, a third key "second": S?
{"hour": 12, "minute": 45}
